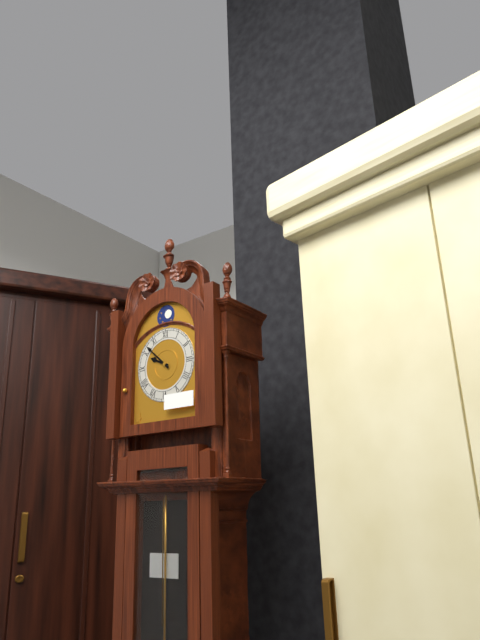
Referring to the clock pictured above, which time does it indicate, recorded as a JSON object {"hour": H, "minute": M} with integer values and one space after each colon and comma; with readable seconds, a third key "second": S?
{"hour": 9, "minute": 52}
